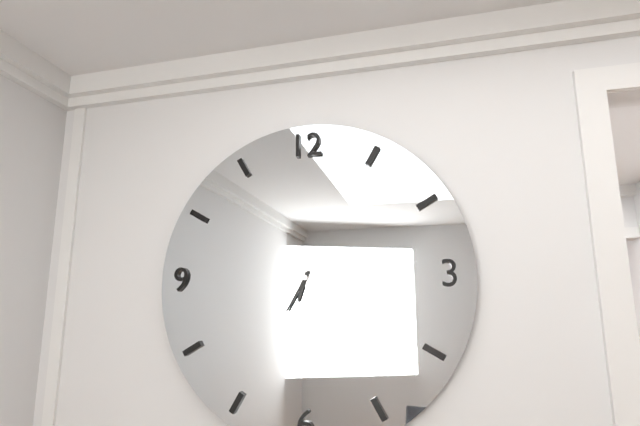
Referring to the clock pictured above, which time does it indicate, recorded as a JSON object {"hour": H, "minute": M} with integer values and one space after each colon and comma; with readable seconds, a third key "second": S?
{"hour": 6, "minute": 35}
